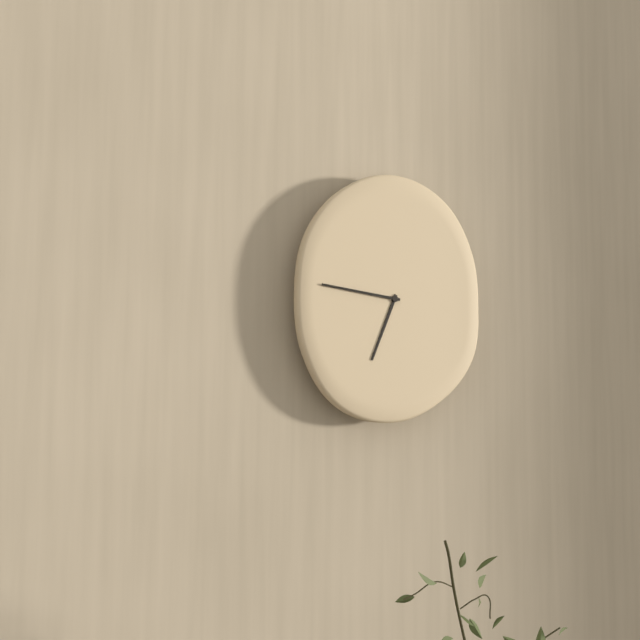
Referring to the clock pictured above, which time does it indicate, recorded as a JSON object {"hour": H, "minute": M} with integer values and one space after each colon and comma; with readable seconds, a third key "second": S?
{"hour": 6, "minute": 46}
